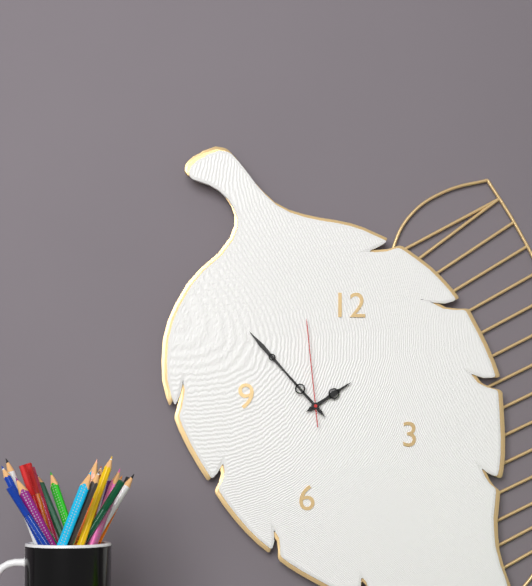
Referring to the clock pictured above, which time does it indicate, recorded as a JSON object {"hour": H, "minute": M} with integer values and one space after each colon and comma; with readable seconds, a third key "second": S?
{"hour": 1, "minute": 53, "second": 59}
